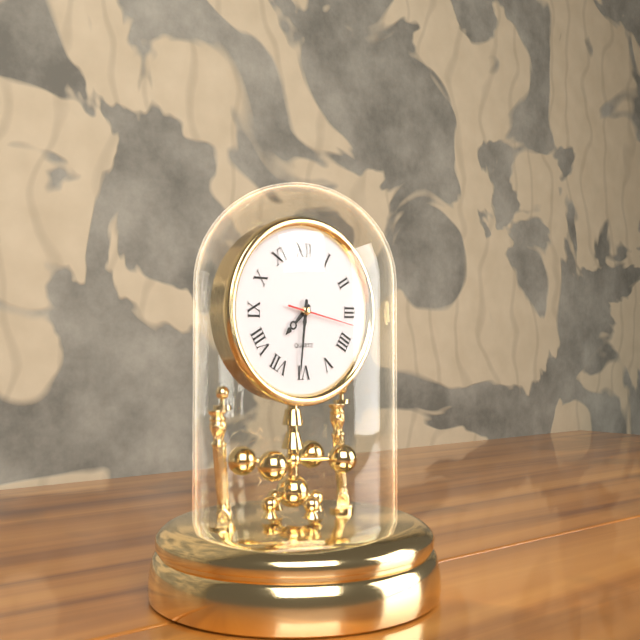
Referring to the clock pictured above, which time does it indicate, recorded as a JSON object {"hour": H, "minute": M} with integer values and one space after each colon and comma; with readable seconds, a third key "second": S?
{"hour": 7, "minute": 31, "second": 17}
